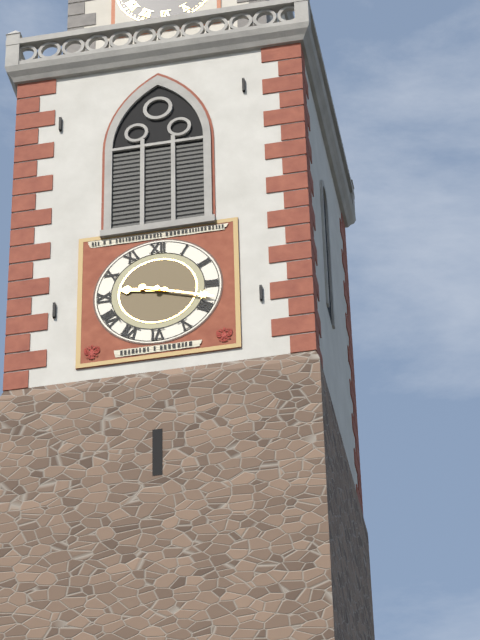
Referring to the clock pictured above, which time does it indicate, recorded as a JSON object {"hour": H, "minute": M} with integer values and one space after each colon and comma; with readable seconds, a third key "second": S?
{"hour": 9, "minute": 18}
